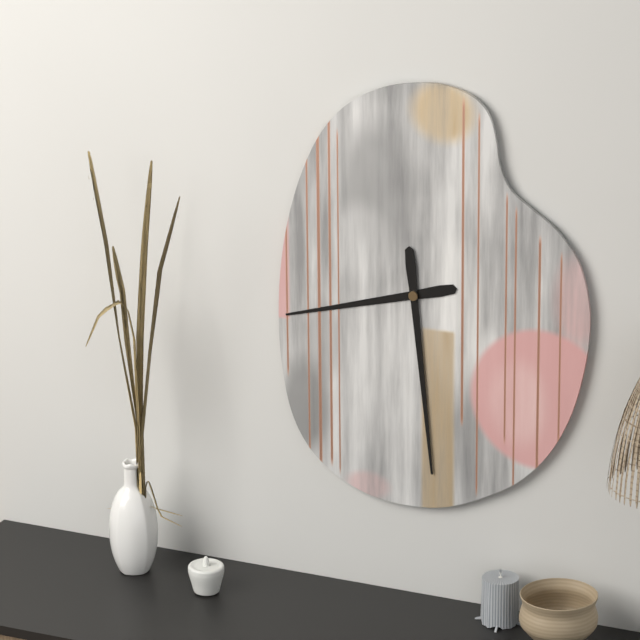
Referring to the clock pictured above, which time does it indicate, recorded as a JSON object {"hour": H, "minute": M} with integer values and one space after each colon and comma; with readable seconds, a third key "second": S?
{"hour": 8, "minute": 29}
